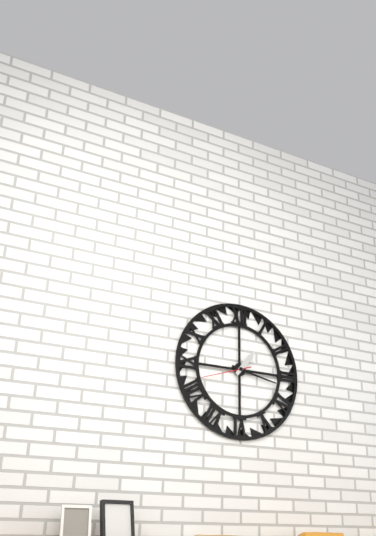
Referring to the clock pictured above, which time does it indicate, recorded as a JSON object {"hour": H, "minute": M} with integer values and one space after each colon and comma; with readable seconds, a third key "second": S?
{"hour": 1, "minute": 17}
